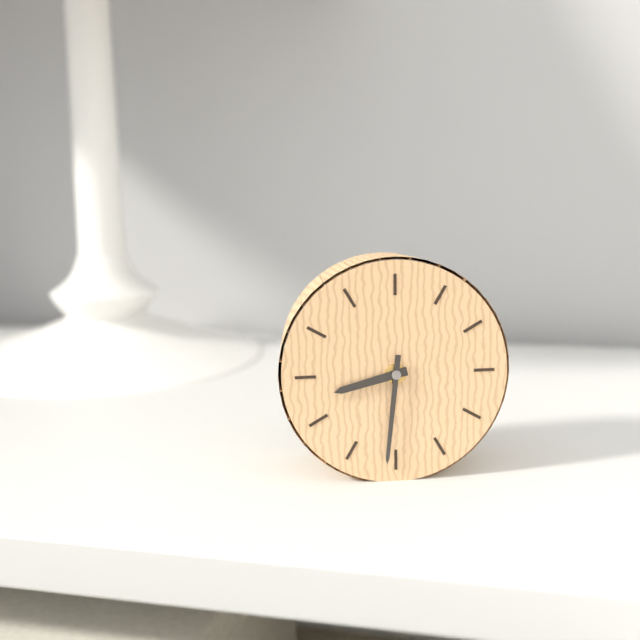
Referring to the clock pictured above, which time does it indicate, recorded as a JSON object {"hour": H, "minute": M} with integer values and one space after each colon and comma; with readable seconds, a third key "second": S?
{"hour": 8, "minute": 31}
